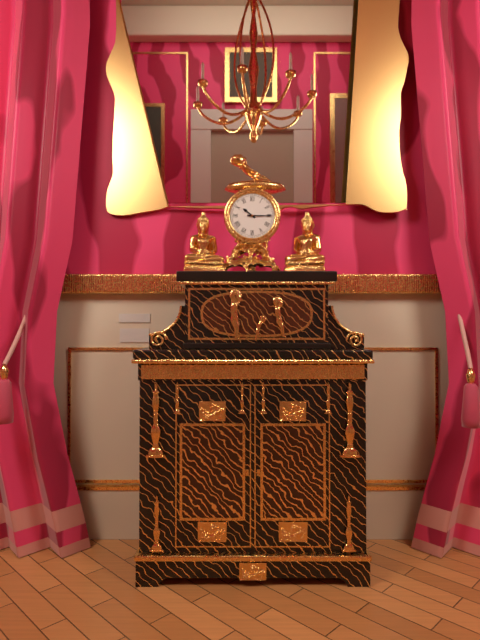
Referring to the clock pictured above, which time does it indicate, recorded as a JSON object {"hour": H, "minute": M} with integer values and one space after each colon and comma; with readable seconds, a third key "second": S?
{"hour": 10, "minute": 15}
